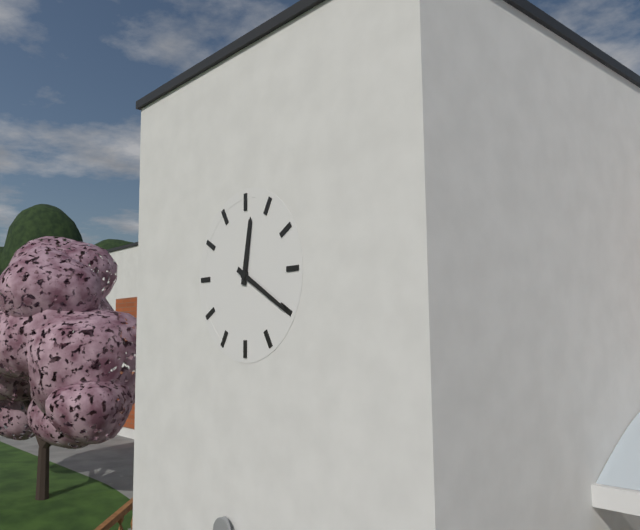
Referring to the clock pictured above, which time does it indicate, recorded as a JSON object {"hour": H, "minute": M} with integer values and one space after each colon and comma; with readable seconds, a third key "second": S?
{"hour": 12, "minute": 20}
